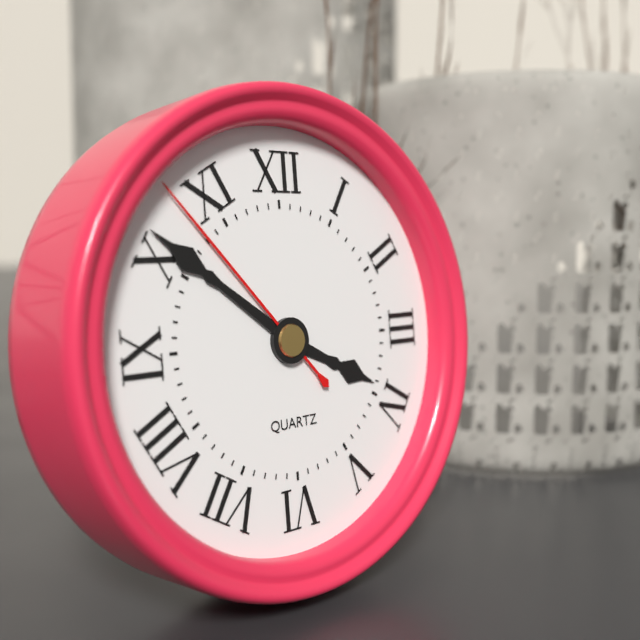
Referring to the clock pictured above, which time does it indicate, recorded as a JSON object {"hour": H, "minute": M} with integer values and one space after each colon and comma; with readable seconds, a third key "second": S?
{"hour": 3, "minute": 51, "second": 53}
